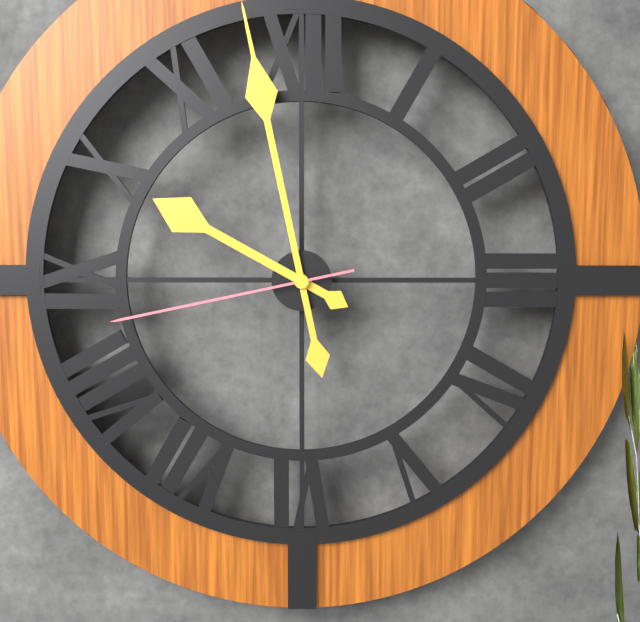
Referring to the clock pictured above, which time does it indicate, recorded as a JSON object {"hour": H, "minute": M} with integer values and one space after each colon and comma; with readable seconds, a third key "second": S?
{"hour": 9, "minute": 58, "second": 43}
